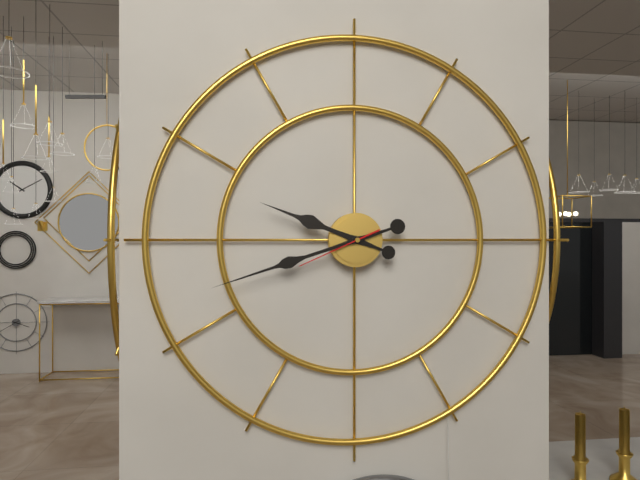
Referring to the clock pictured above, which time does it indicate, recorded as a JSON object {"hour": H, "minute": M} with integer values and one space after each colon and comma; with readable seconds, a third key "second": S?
{"hour": 9, "minute": 42, "second": 41}
